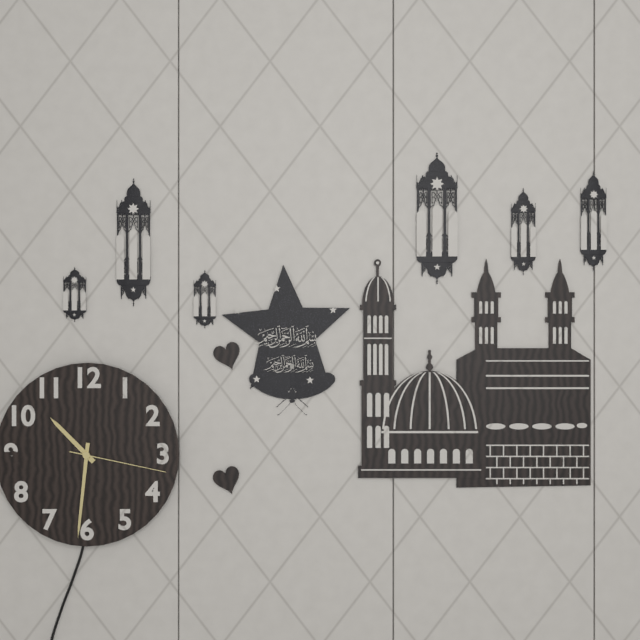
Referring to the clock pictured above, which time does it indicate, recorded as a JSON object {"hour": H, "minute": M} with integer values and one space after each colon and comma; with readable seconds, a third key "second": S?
{"hour": 10, "minute": 31, "second": 17}
